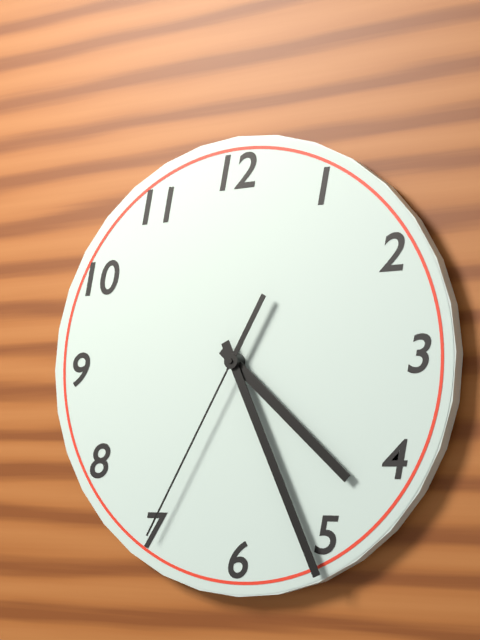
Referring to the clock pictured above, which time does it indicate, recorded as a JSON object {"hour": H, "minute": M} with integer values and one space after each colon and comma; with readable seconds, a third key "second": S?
{"hour": 4, "minute": 26, "second": 35}
